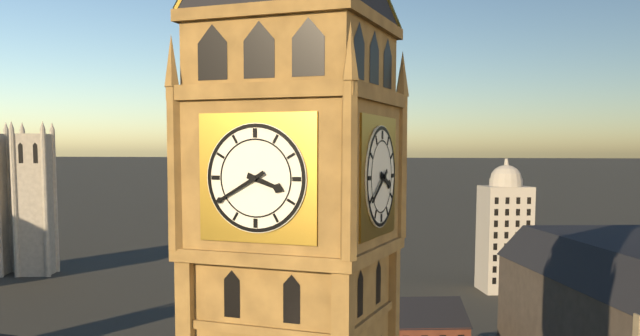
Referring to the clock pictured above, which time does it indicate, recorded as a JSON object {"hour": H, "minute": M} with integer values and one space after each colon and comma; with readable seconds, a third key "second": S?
{"hour": 3, "minute": 40}
